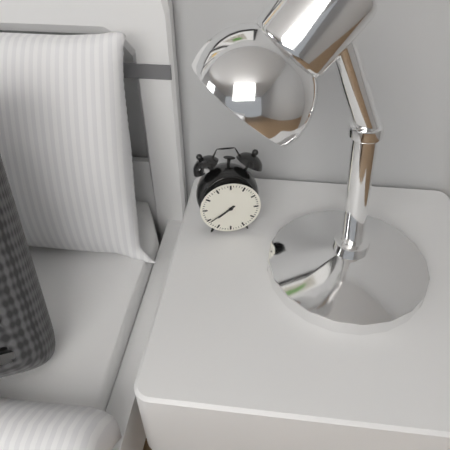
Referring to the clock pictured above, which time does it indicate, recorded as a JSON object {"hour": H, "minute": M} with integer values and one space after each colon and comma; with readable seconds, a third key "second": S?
{"hour": 7, "minute": 39}
